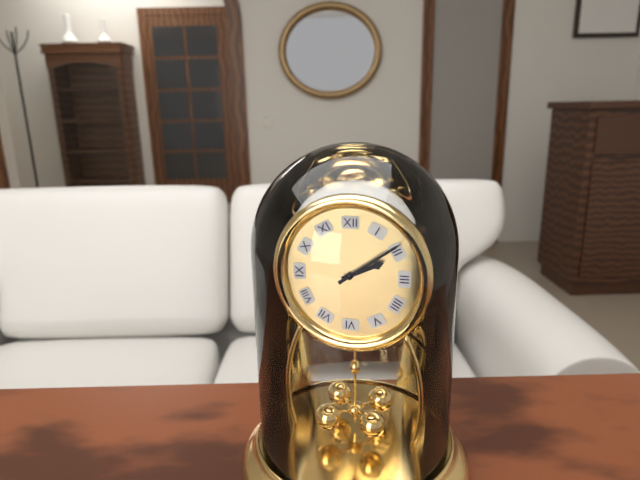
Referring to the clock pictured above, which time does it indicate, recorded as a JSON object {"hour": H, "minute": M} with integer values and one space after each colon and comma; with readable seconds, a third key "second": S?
{"hour": 2, "minute": 9}
